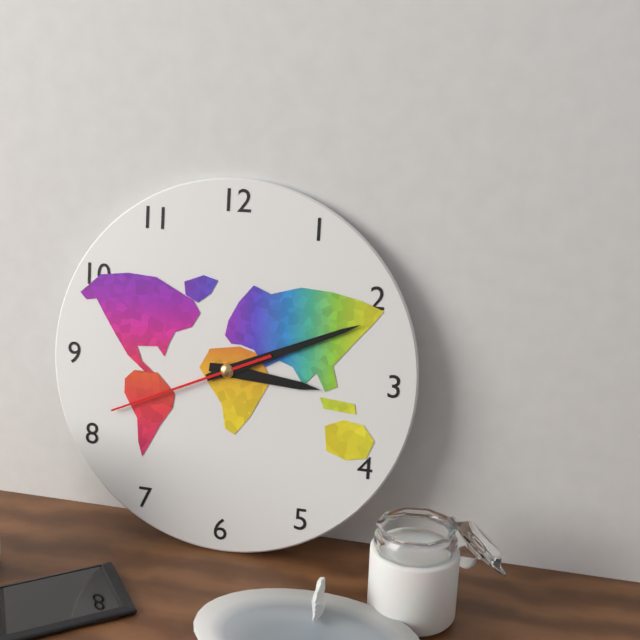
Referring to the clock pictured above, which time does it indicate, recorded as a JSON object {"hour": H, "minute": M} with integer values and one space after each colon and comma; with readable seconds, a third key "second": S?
{"hour": 3, "minute": 11, "second": 41}
